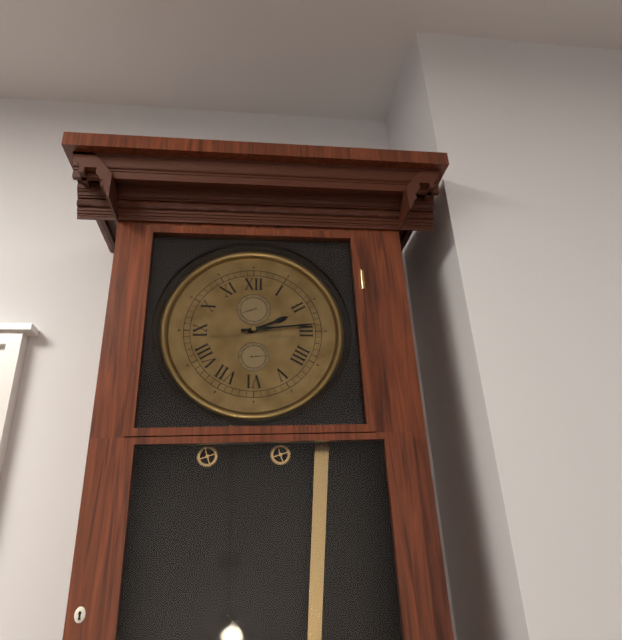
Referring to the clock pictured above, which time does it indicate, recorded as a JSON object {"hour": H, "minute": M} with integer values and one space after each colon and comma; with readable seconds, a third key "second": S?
{"hour": 2, "minute": 14}
